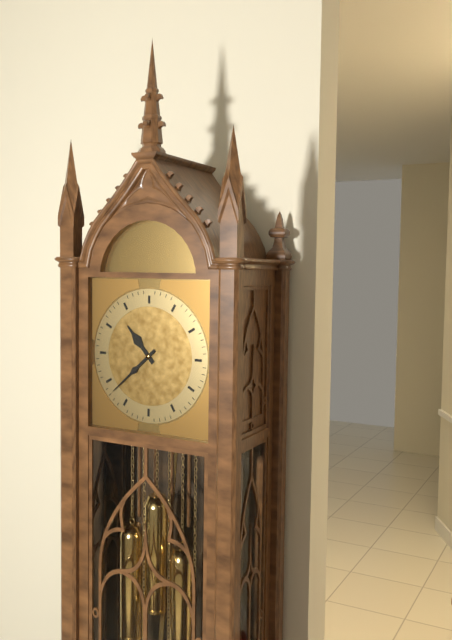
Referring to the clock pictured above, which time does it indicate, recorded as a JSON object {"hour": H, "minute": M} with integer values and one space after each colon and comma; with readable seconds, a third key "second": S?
{"hour": 10, "minute": 38}
